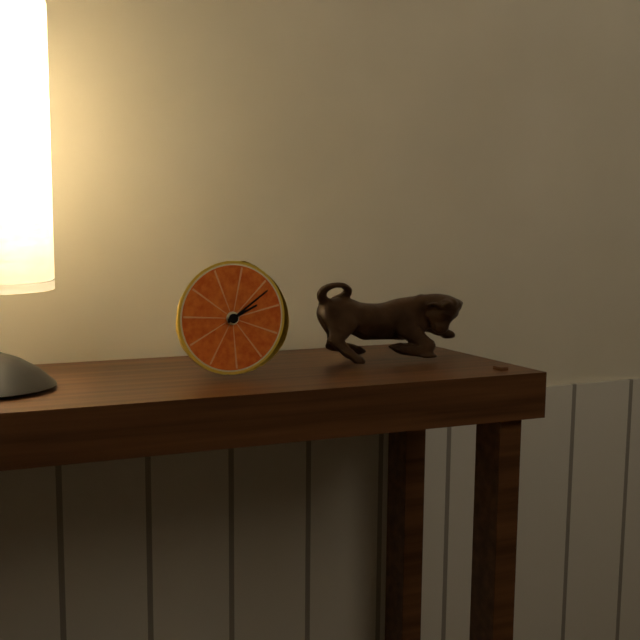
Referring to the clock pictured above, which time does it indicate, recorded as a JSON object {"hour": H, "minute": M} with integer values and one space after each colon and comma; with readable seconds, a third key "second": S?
{"hour": 2, "minute": 9}
